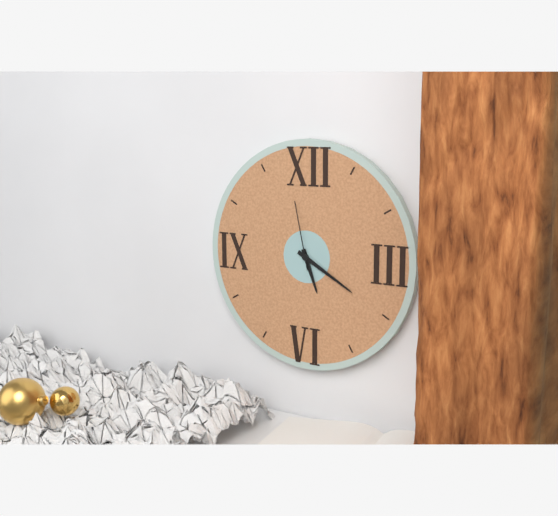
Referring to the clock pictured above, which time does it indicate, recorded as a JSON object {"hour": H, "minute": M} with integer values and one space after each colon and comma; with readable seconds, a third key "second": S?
{"hour": 5, "minute": 20, "second": 58}
